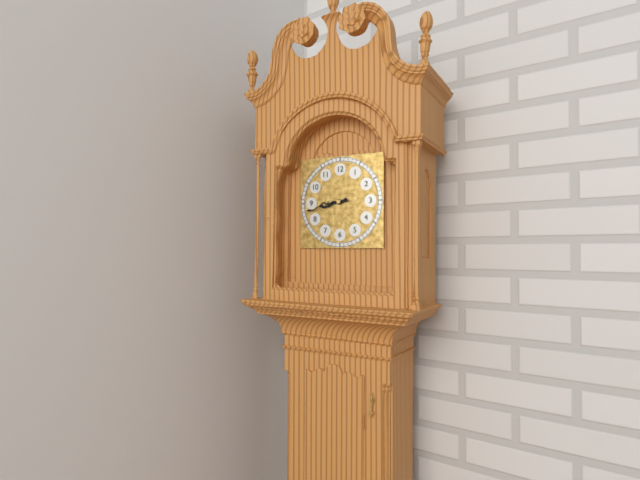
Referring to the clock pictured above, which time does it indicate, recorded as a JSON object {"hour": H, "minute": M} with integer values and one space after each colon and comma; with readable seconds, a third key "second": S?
{"hour": 8, "minute": 43}
